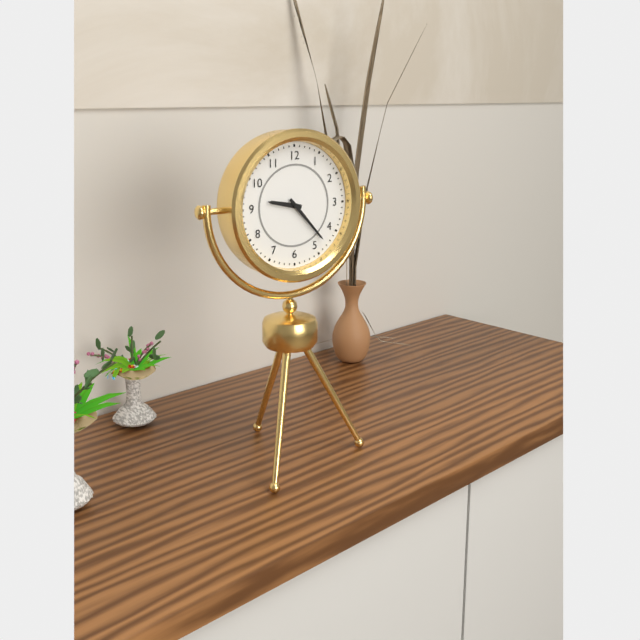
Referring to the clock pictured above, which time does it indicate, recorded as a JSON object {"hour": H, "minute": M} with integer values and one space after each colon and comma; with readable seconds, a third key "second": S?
{"hour": 9, "minute": 23}
